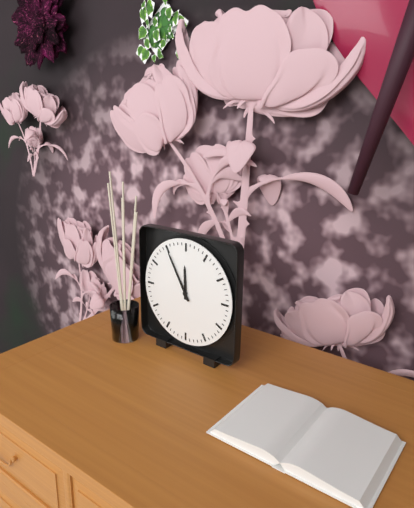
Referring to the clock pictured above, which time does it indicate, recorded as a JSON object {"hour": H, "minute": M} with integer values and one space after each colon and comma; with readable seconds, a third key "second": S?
{"hour": 11, "minute": 55}
